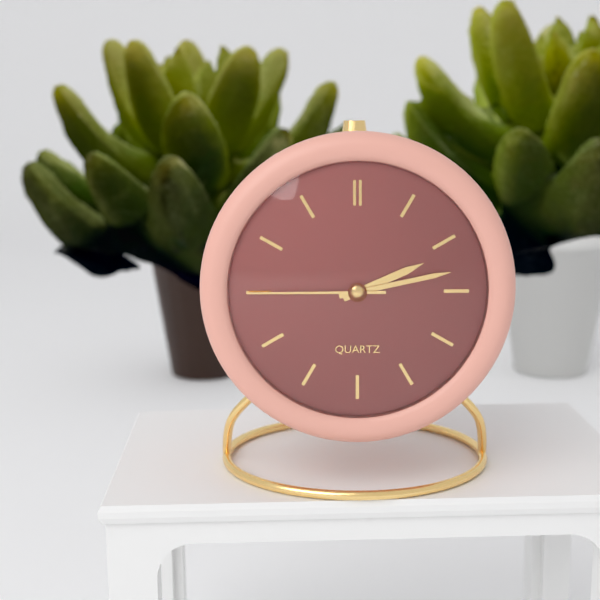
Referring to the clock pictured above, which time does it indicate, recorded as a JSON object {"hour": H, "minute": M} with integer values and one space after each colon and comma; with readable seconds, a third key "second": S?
{"hour": 2, "minute": 13, "second": 45}
